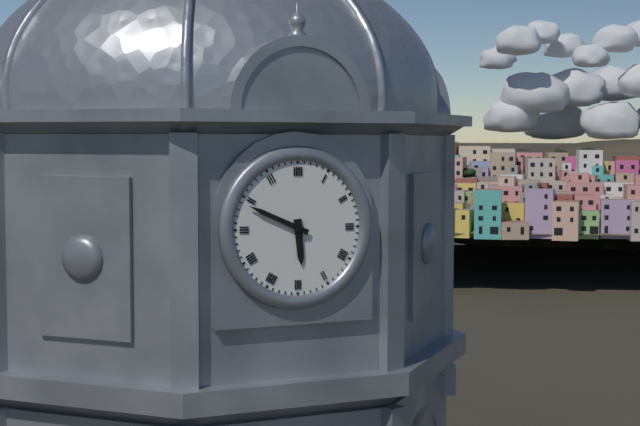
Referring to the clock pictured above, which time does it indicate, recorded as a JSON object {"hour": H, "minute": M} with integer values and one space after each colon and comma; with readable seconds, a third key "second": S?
{"hour": 5, "minute": 49}
